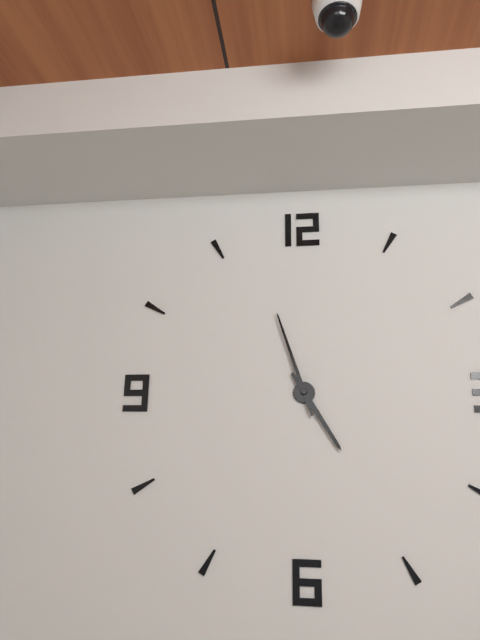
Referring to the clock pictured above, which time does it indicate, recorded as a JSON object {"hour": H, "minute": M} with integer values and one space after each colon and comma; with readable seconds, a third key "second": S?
{"hour": 4, "minute": 57}
